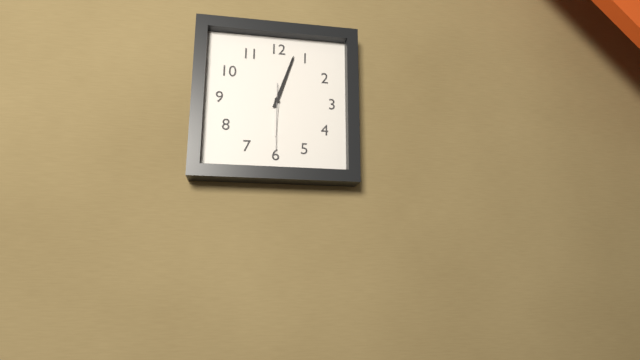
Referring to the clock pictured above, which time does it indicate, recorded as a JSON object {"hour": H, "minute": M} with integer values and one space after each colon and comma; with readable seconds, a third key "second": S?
{"hour": 6, "minute": 3, "second": 30}
